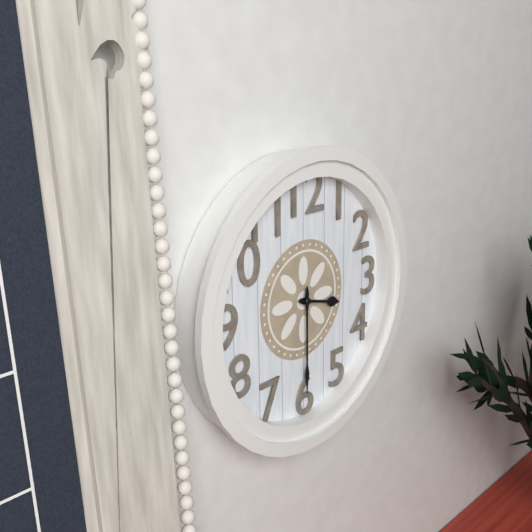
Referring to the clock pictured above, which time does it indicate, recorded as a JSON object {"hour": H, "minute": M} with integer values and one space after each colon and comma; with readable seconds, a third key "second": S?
{"hour": 3, "minute": 30}
